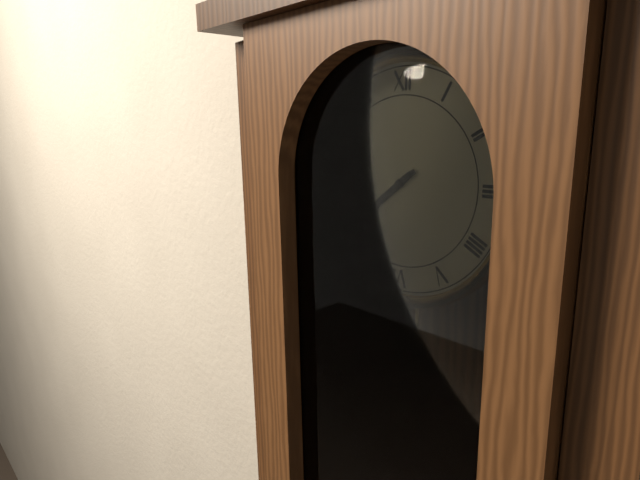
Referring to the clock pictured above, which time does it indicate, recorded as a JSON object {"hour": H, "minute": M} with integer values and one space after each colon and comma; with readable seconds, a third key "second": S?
{"hour": 7, "minute": 39}
